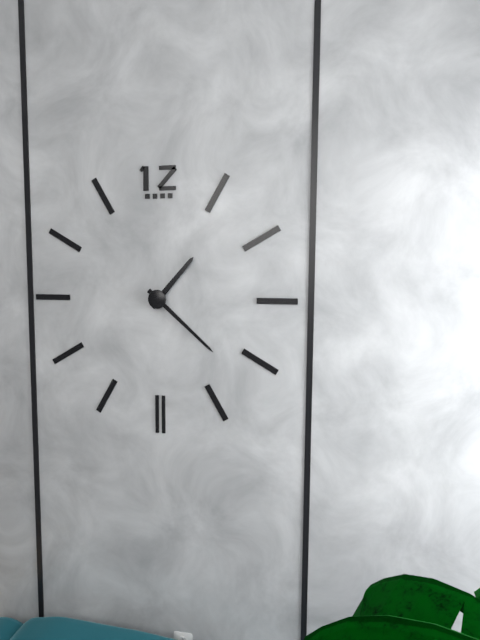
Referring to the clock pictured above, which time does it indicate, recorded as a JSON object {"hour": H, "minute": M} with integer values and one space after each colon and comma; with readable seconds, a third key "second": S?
{"hour": 1, "minute": 22}
